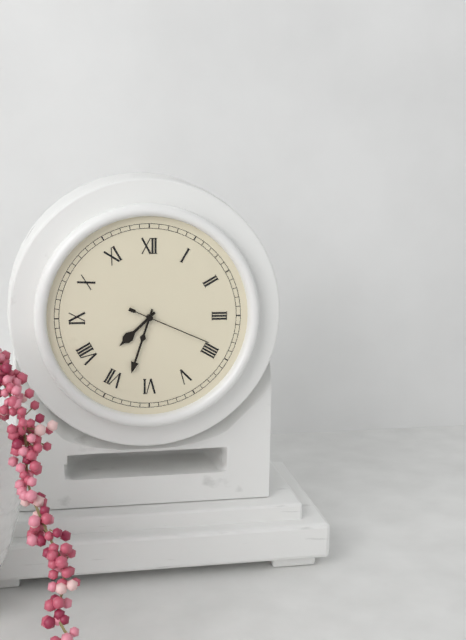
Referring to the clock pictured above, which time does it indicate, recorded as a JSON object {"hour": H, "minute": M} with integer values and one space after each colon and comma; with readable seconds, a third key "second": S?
{"hour": 7, "minute": 33, "second": 19}
